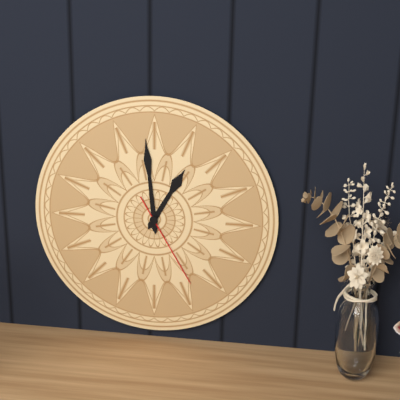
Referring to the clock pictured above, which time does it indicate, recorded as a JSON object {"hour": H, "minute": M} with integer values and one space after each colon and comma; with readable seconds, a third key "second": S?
{"hour": 12, "minute": 59, "second": 25}
